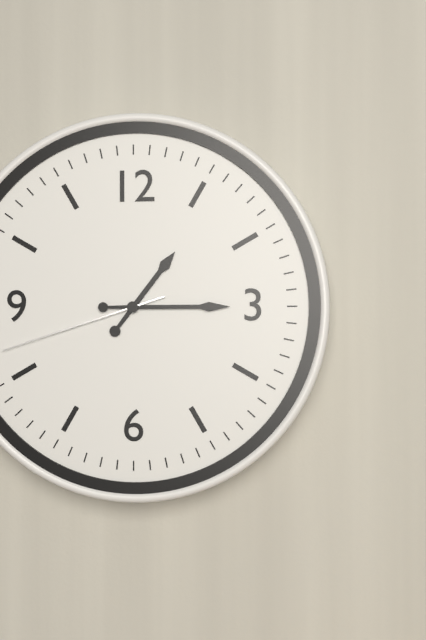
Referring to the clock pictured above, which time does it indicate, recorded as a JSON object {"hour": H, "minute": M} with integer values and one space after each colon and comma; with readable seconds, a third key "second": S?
{"hour": 1, "minute": 15, "second": 42}
